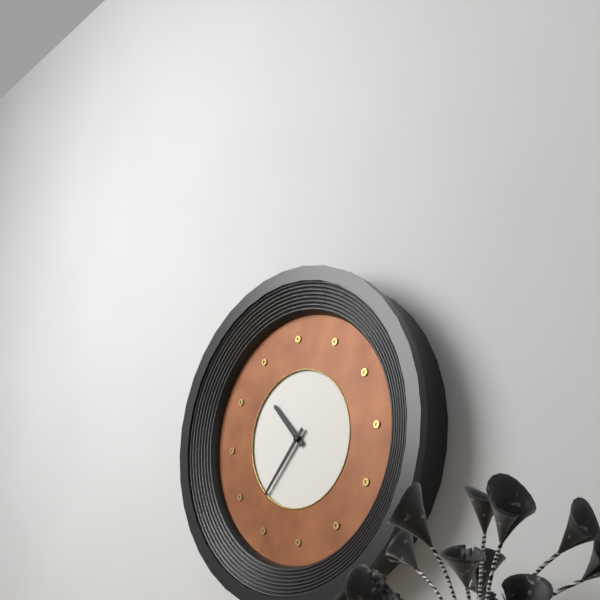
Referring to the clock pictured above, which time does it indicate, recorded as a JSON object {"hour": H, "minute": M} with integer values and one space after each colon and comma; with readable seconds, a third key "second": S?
{"hour": 10, "minute": 37}
